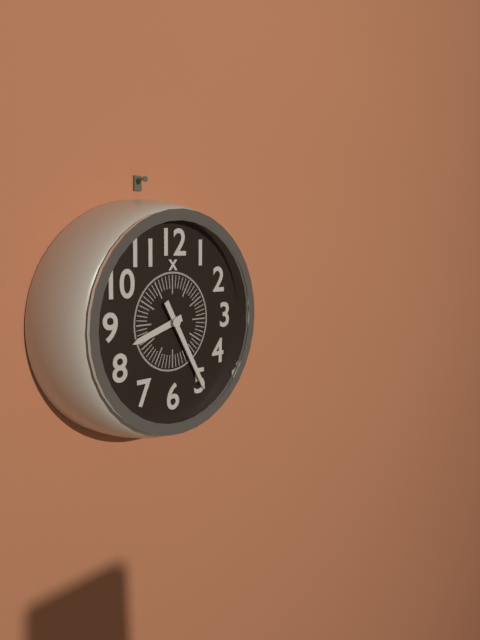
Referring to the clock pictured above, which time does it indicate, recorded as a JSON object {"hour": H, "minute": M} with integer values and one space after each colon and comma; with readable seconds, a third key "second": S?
{"hour": 8, "minute": 25}
